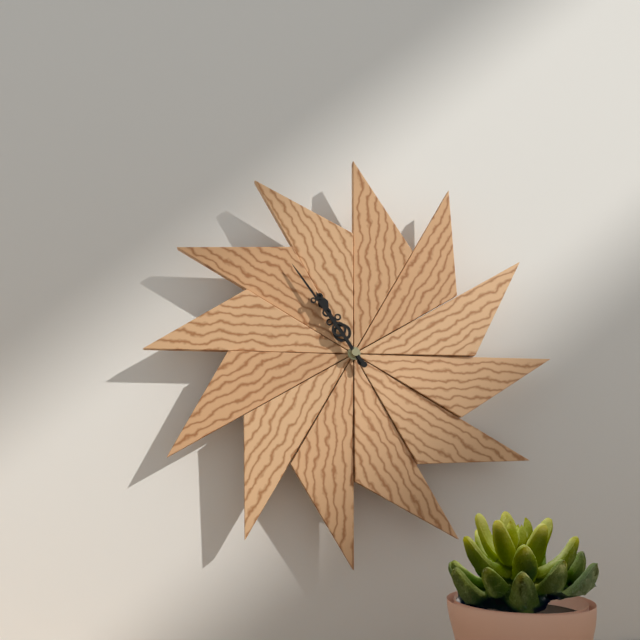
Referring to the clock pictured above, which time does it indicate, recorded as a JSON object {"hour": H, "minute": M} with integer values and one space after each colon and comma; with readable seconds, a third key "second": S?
{"hour": 10, "minute": 54}
